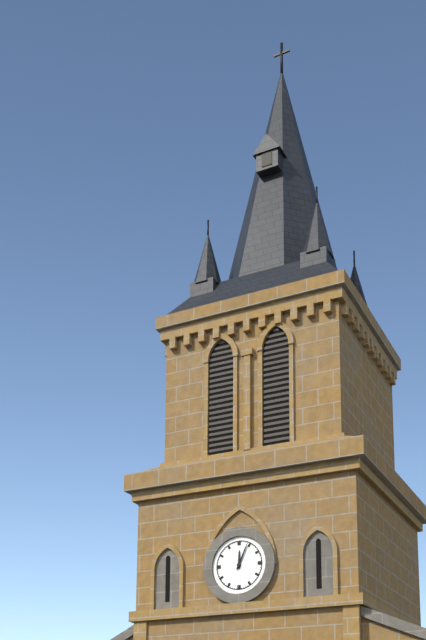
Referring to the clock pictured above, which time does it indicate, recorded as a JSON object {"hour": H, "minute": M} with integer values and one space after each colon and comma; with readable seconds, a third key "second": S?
{"hour": 12, "minute": 4}
